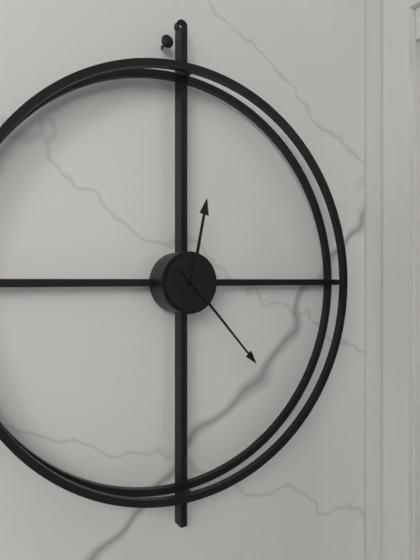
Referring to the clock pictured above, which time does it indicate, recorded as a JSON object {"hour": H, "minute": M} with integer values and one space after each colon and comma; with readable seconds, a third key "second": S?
{"hour": 12, "minute": 23}
